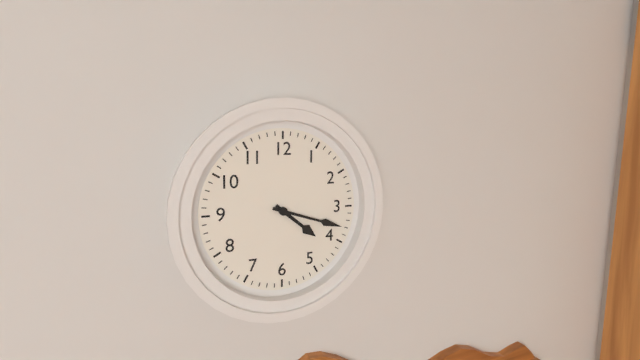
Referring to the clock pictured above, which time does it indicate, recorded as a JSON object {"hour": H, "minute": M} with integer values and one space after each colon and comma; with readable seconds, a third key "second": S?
{"hour": 4, "minute": 18}
